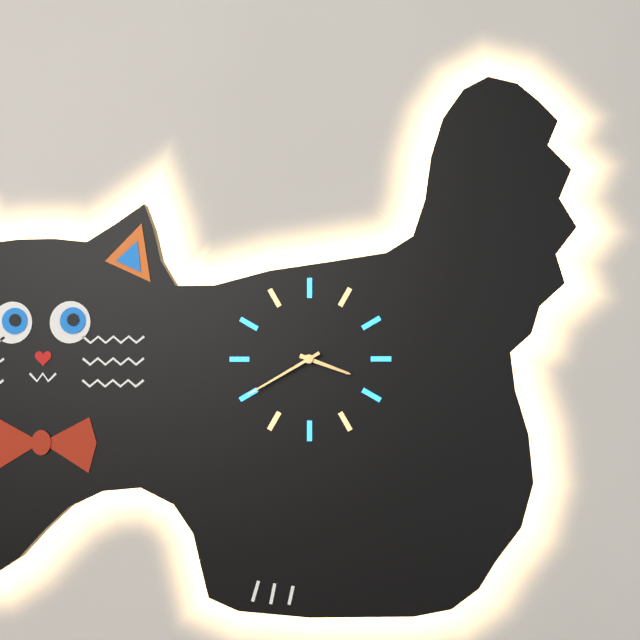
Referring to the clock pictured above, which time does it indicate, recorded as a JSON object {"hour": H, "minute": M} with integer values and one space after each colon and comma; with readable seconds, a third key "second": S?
{"hour": 3, "minute": 40}
